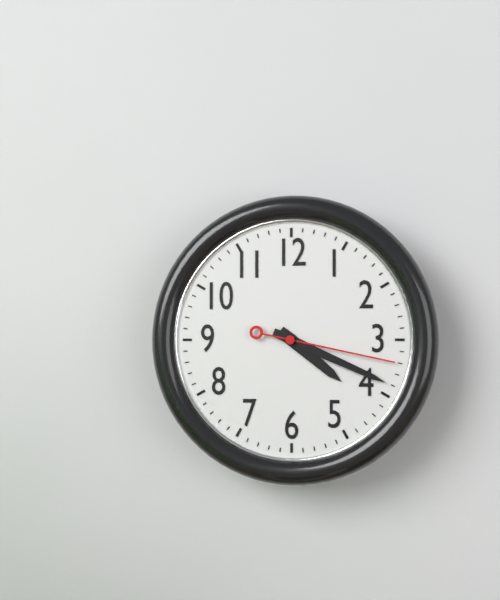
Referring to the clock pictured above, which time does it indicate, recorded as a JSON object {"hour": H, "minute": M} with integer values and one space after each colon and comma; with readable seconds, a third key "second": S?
{"hour": 4, "minute": 19, "second": 17}
